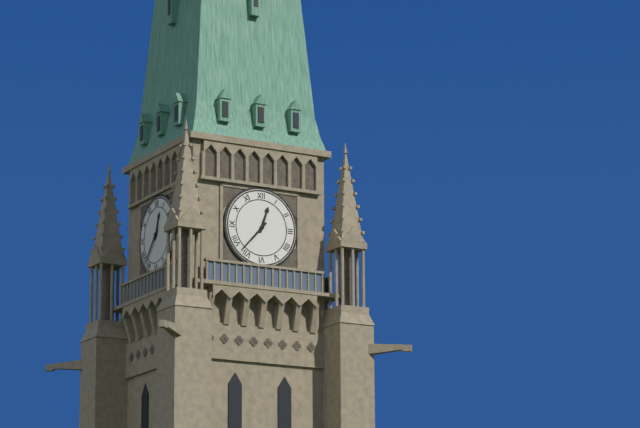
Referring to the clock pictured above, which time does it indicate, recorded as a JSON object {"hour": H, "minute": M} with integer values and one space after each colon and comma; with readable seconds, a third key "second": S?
{"hour": 12, "minute": 37}
